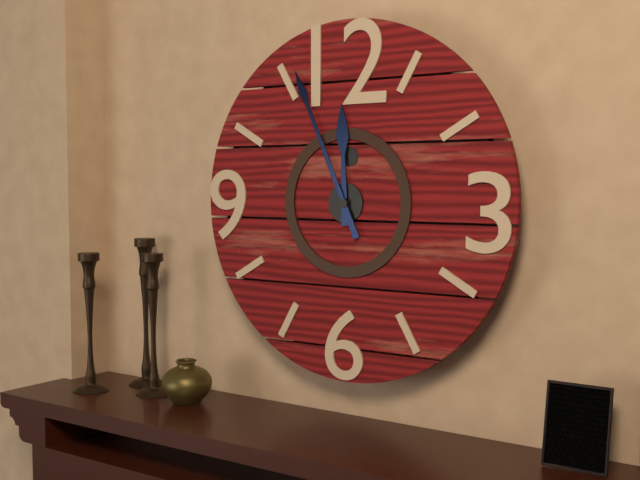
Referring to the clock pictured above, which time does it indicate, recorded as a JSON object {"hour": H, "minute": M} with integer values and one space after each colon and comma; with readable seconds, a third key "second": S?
{"hour": 11, "minute": 56}
